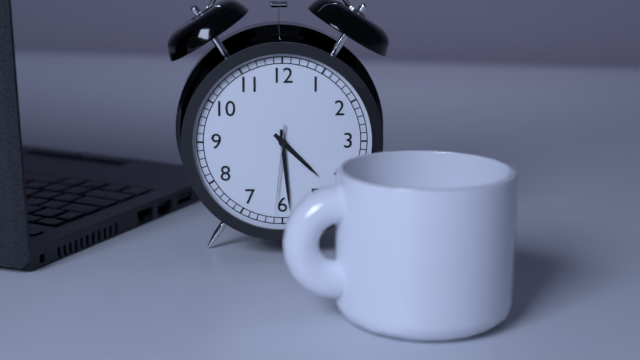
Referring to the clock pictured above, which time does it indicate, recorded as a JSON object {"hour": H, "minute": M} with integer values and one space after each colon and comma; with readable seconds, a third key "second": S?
{"hour": 4, "minute": 29, "second": 31}
